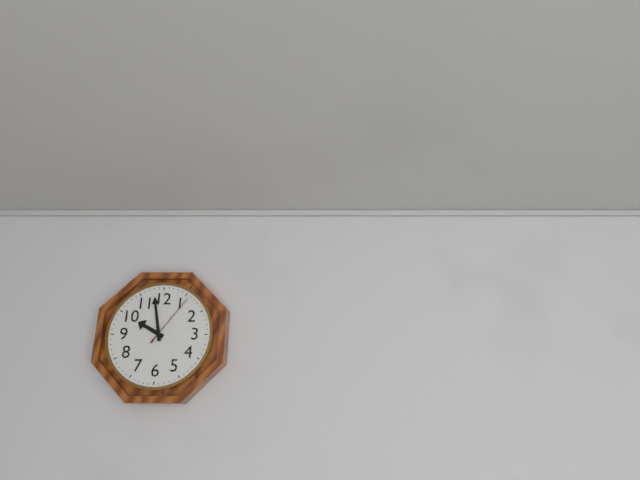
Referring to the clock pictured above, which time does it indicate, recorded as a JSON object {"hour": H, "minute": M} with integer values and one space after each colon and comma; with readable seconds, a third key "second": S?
{"hour": 9, "minute": 58, "second": 6}
